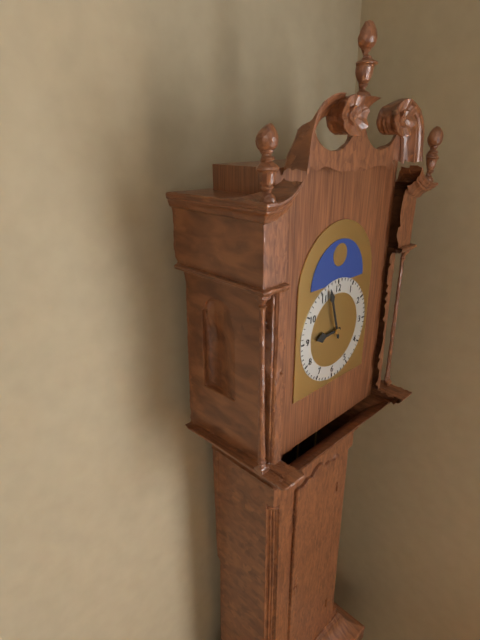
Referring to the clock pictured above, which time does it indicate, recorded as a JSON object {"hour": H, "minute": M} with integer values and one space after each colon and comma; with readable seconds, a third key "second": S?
{"hour": 8, "minute": 57}
